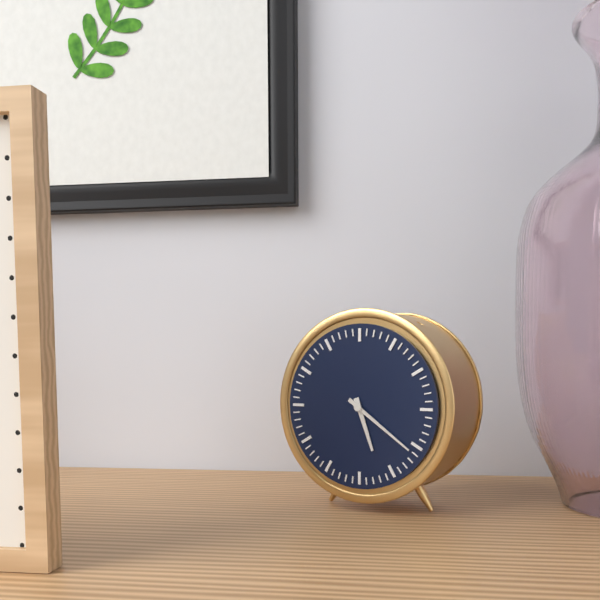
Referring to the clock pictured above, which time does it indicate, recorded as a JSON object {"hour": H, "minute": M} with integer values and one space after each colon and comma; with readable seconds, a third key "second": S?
{"hour": 5, "minute": 21}
